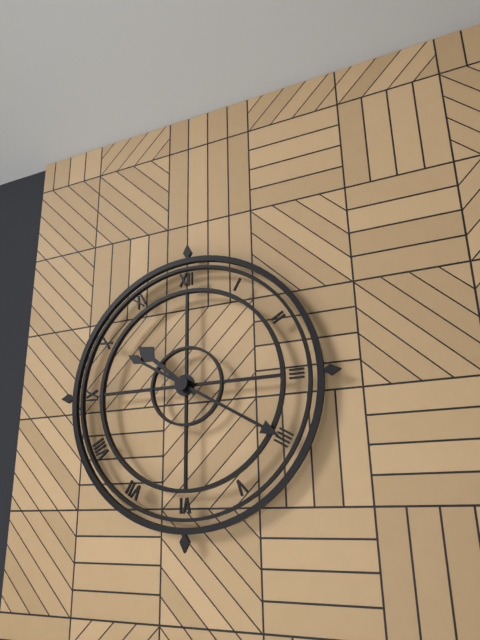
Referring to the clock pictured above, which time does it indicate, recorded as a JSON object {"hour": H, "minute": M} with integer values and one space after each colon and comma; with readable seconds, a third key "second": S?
{"hour": 10, "minute": 20}
